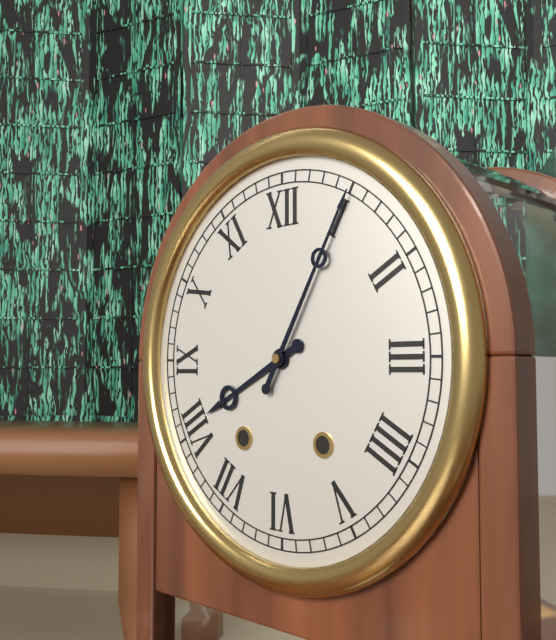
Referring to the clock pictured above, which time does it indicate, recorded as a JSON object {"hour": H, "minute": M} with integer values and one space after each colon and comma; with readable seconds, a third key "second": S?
{"hour": 8, "minute": 5}
